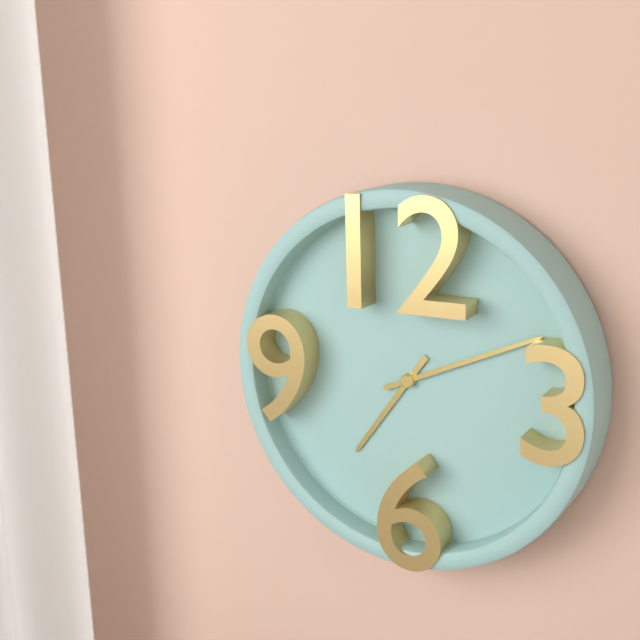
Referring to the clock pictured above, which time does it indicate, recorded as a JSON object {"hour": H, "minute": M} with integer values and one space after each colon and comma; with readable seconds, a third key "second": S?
{"hour": 7, "minute": 11}
